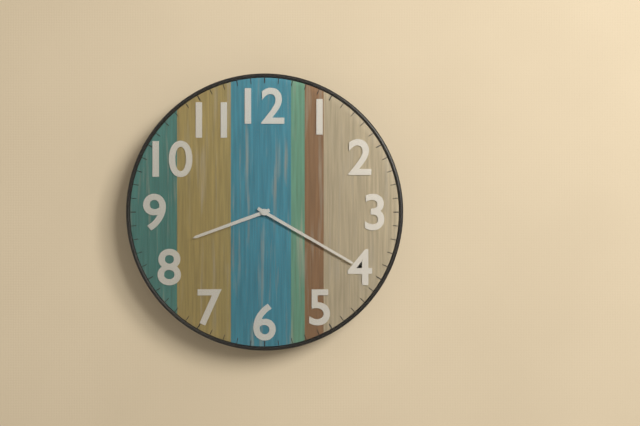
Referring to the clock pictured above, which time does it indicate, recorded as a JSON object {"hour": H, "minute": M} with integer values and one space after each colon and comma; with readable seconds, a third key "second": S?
{"hour": 8, "minute": 20}
